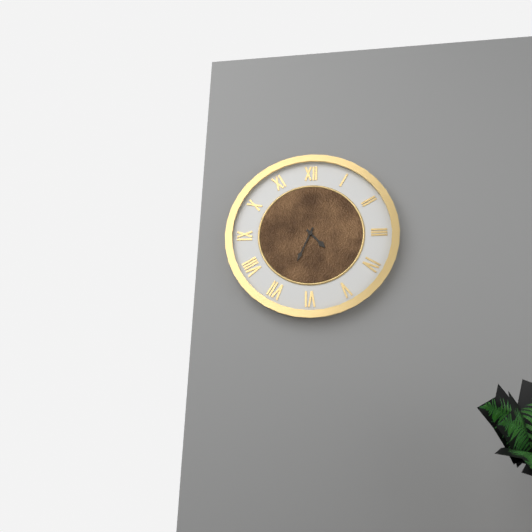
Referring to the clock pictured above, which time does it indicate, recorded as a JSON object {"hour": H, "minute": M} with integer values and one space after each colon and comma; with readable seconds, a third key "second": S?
{"hour": 4, "minute": 34}
